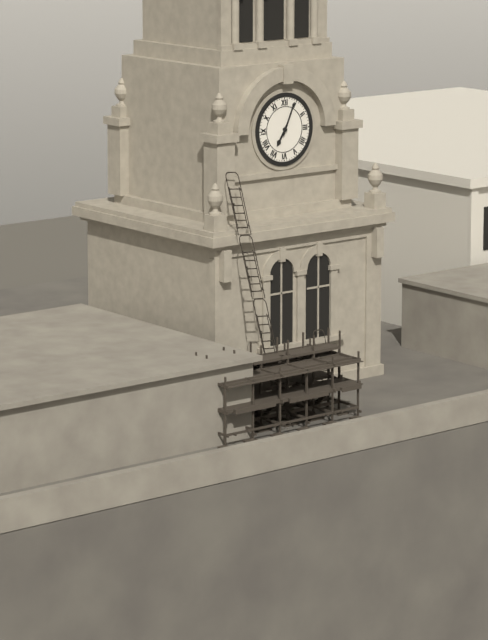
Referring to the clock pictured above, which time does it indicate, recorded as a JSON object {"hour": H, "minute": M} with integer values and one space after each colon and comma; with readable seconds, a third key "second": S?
{"hour": 7, "minute": 4}
